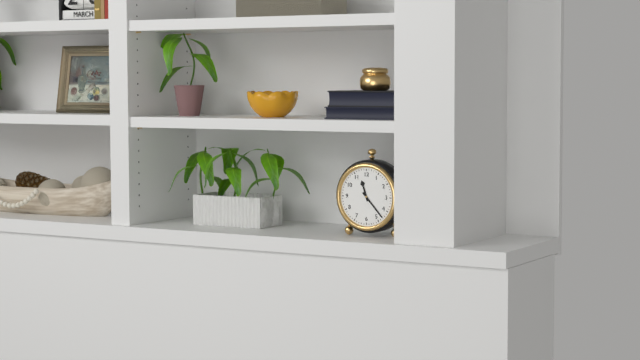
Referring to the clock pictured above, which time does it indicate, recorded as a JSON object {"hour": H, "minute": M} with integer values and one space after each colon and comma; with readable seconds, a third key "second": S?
{"hour": 11, "minute": 23}
